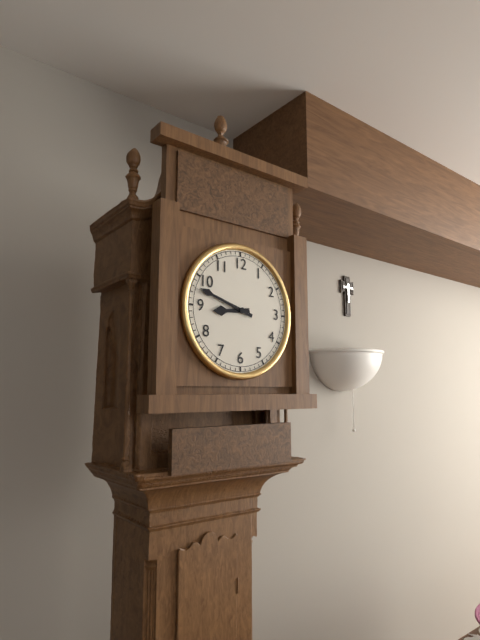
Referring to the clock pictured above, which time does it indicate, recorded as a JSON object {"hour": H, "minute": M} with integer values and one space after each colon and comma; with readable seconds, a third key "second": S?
{"hour": 8, "minute": 48}
